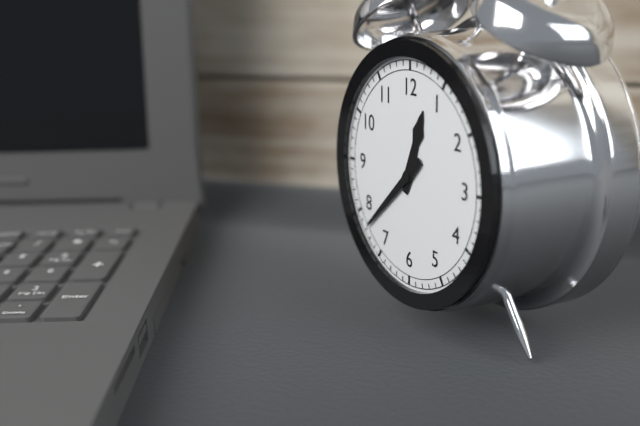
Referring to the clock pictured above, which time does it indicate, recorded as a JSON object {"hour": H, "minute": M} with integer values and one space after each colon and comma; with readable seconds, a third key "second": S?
{"hour": 12, "minute": 38}
